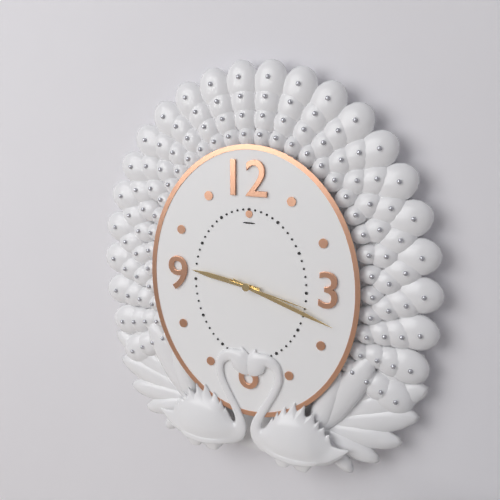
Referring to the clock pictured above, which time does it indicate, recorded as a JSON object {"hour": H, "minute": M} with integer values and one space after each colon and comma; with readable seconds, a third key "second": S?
{"hour": 9, "minute": 18, "second": 17}
